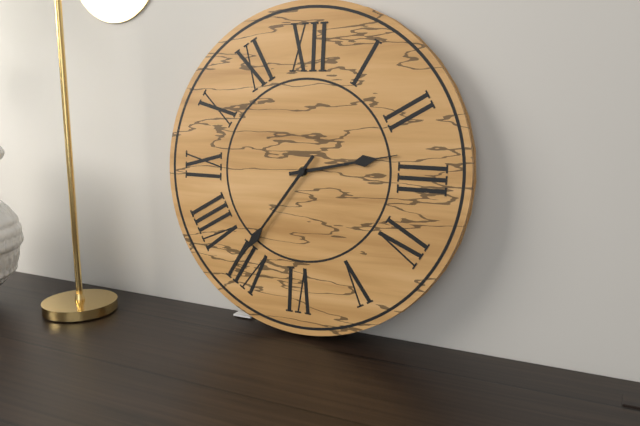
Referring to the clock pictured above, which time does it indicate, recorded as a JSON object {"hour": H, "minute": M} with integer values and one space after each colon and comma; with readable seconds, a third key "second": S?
{"hour": 2, "minute": 36}
